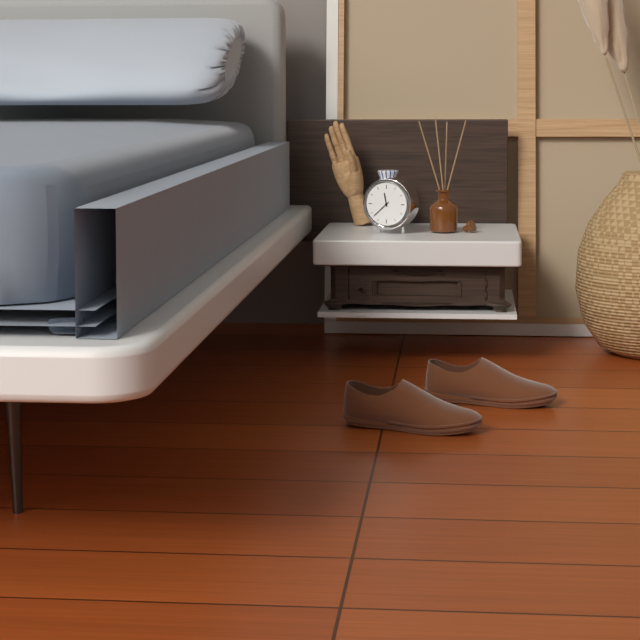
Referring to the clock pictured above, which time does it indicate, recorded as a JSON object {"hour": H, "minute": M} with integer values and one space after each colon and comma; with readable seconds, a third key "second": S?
{"hour": 11, "minute": 38}
